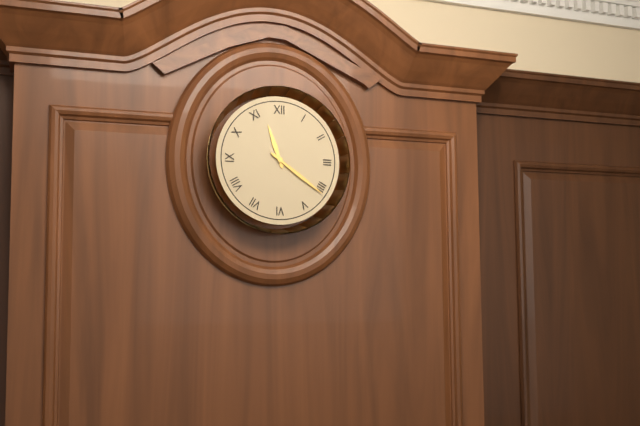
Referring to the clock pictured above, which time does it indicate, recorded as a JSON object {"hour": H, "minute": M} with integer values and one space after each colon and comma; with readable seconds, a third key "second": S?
{"hour": 11, "minute": 21}
